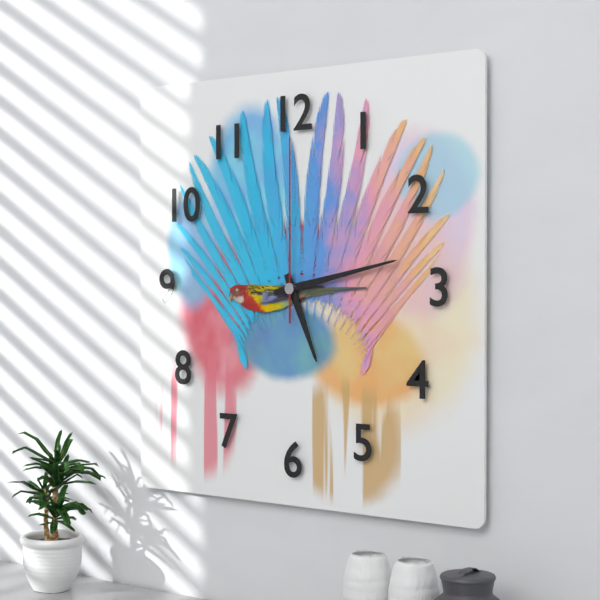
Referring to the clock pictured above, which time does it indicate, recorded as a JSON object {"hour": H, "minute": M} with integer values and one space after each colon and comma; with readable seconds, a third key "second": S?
{"hour": 5, "minute": 13, "second": 0}
